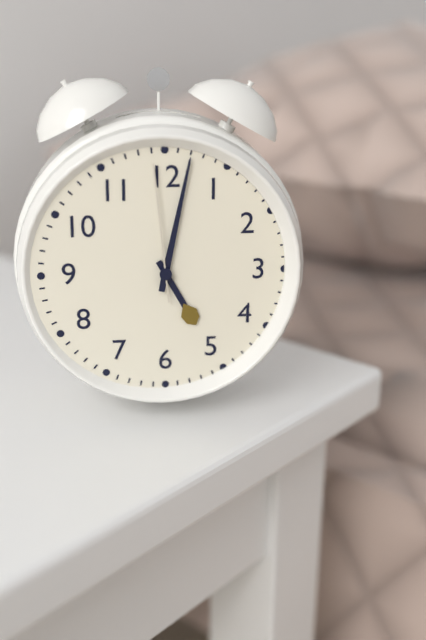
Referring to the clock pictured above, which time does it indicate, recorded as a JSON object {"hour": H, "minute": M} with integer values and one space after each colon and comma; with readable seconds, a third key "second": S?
{"hour": 5, "minute": 2, "second": 59}
